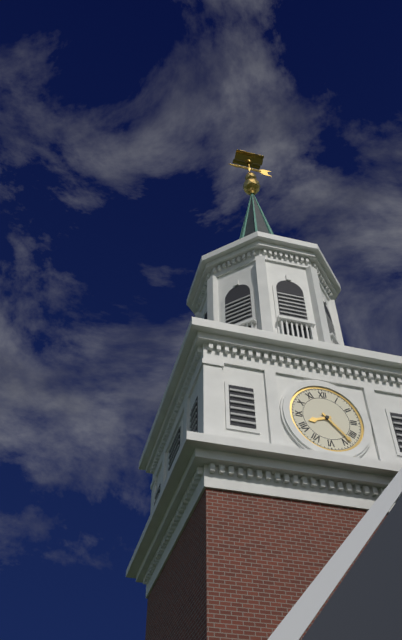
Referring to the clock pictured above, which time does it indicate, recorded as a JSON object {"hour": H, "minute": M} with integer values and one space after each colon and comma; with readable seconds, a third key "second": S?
{"hour": 8, "minute": 23}
